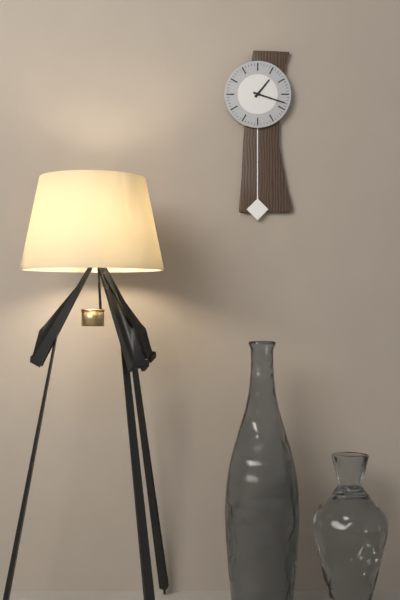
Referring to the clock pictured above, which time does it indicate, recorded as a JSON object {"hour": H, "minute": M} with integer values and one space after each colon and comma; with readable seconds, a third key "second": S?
{"hour": 1, "minute": 18}
